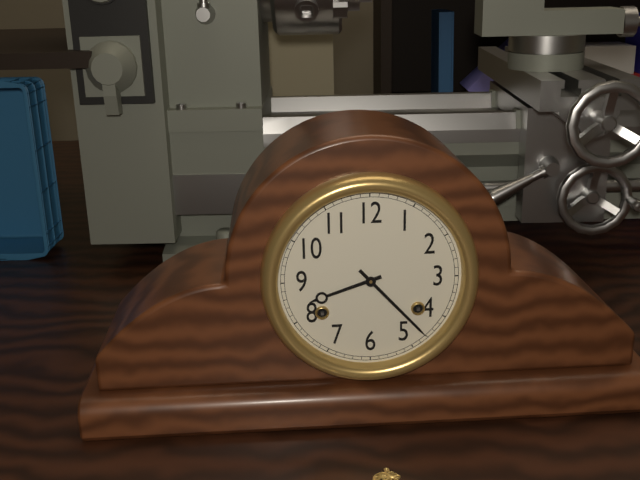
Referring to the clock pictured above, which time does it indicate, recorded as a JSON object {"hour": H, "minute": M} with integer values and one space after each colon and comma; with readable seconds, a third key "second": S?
{"hour": 8, "minute": 23}
